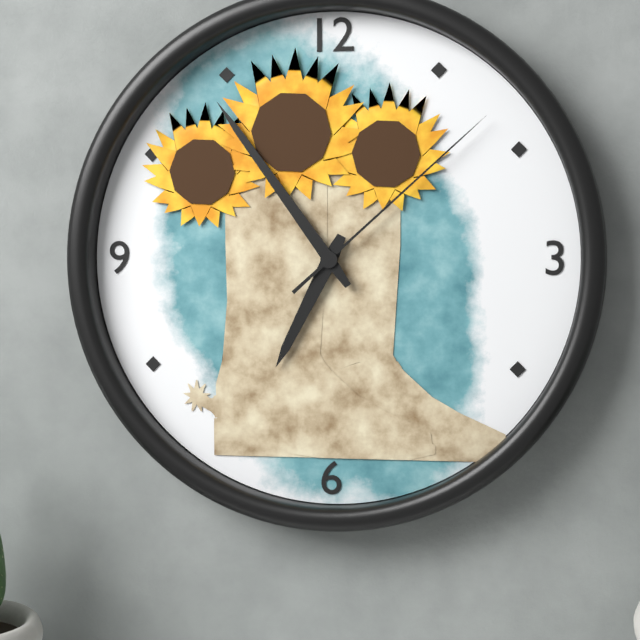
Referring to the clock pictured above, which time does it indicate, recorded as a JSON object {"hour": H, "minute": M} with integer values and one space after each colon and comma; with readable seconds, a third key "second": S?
{"hour": 6, "minute": 54, "second": 8}
